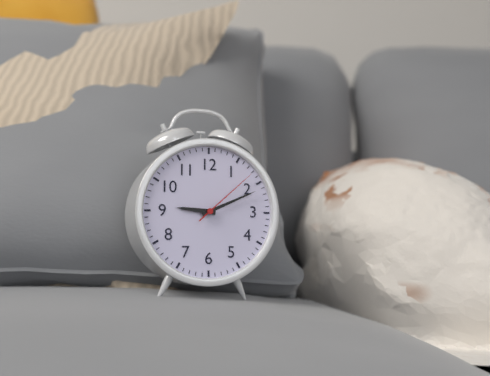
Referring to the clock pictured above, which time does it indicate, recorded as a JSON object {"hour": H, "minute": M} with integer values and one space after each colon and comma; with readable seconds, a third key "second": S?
{"hour": 9, "minute": 11, "second": 8}
